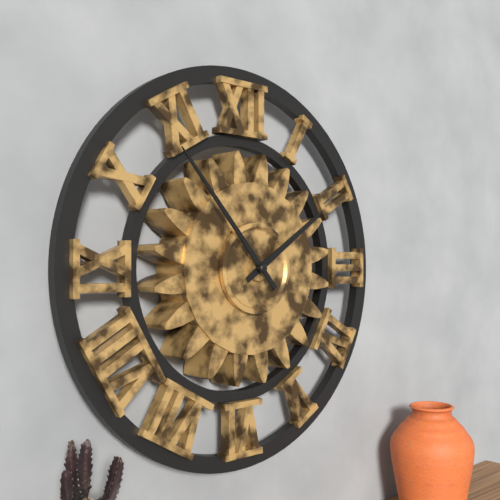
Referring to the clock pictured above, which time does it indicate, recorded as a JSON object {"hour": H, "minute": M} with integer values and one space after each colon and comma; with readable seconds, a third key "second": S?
{"hour": 1, "minute": 53}
